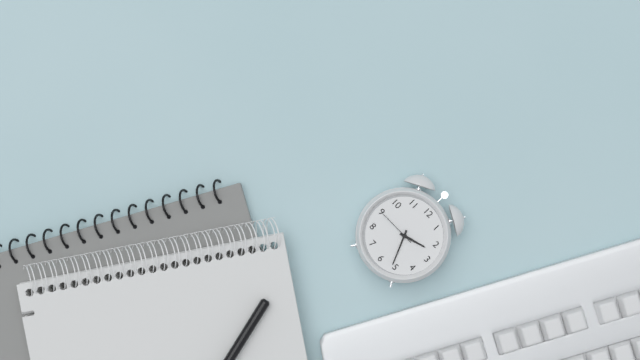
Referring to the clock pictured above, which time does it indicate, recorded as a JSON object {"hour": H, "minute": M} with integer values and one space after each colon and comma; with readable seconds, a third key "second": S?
{"hour": 2, "minute": 26}
